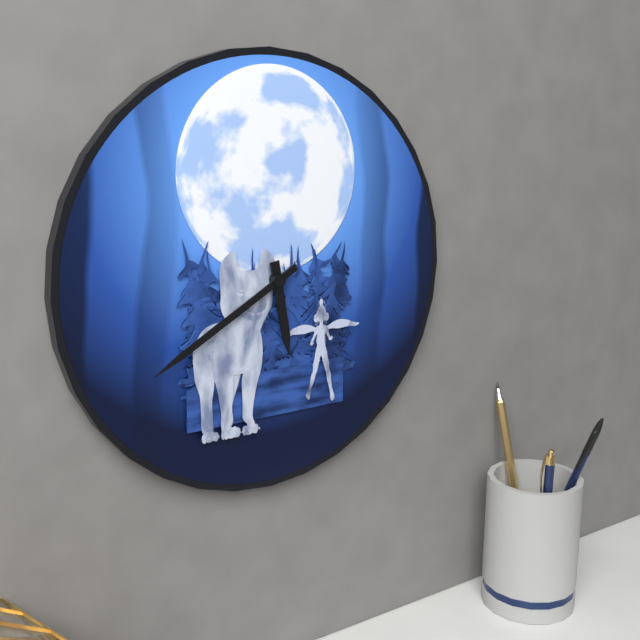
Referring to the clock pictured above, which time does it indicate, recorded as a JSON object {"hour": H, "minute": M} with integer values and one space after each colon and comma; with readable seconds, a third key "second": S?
{"hour": 5, "minute": 40}
